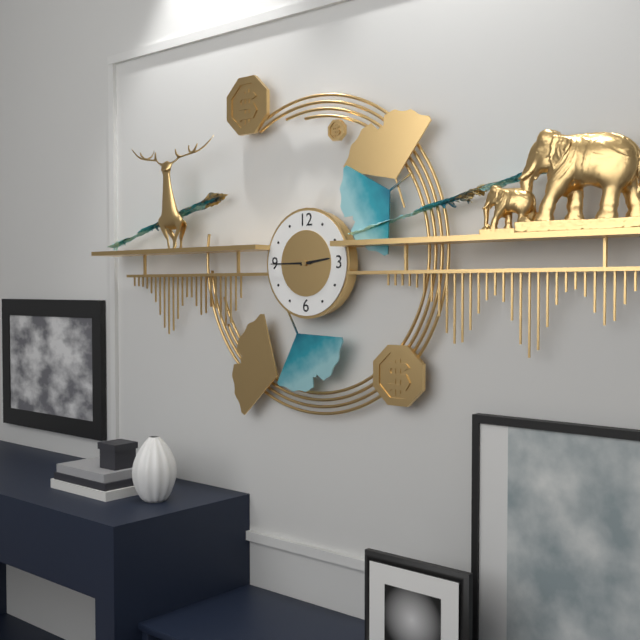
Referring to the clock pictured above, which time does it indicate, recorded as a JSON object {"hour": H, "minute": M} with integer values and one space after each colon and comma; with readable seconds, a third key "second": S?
{"hour": 2, "minute": 45}
